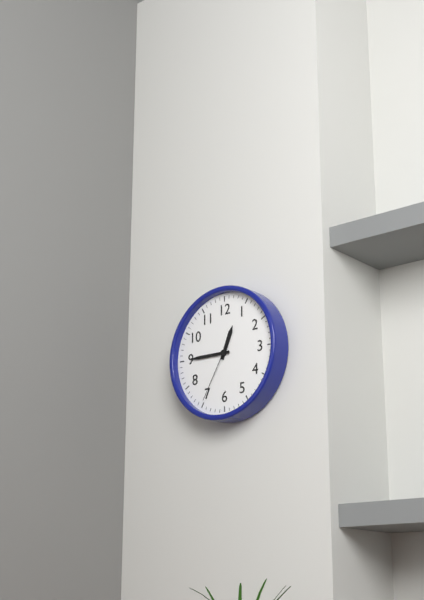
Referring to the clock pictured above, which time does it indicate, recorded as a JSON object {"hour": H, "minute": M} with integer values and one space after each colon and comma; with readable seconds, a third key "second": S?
{"hour": 12, "minute": 45, "second": 35}
